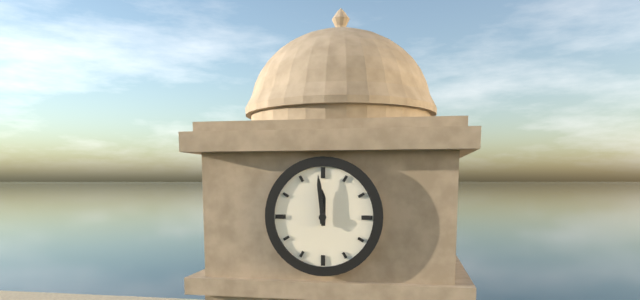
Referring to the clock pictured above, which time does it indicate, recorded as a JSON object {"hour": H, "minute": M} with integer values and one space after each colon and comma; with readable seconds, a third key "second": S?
{"hour": 11, "minute": 59}
